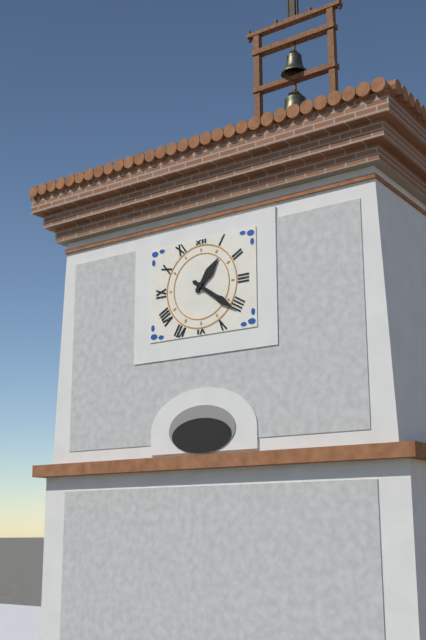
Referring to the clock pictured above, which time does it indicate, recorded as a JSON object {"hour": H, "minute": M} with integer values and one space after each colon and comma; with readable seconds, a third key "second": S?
{"hour": 1, "minute": 21}
